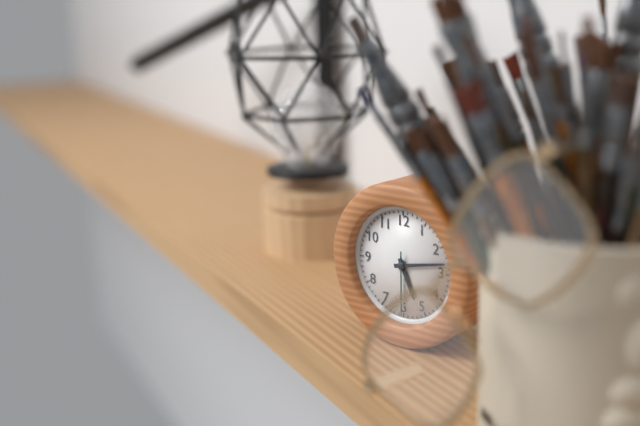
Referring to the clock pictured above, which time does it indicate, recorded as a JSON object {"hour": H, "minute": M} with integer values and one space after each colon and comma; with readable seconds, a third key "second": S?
{"hour": 5, "minute": 13, "second": 30}
